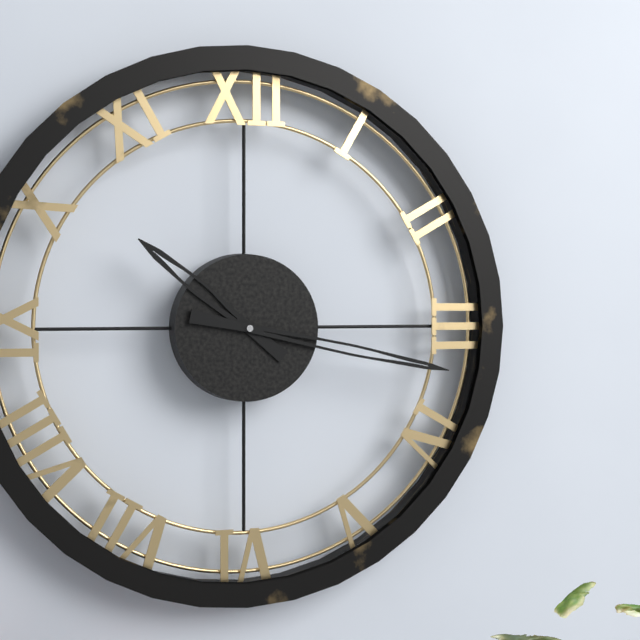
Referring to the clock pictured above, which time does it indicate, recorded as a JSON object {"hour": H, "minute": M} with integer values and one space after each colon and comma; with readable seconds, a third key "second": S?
{"hour": 10, "minute": 17}
